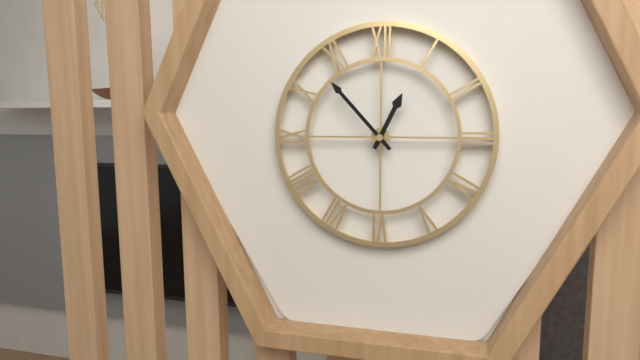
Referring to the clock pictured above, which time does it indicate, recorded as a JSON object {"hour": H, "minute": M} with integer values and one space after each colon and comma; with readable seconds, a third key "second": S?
{"hour": 12, "minute": 53}
